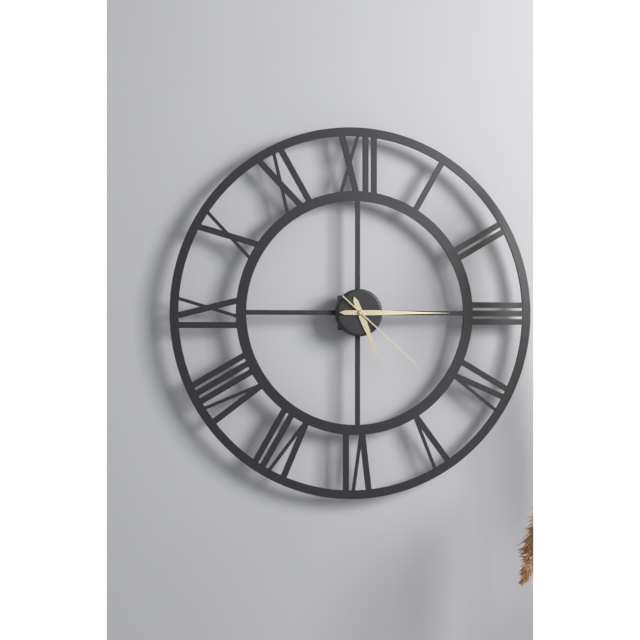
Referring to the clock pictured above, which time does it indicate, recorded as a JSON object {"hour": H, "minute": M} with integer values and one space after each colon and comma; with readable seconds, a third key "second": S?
{"hour": 5, "minute": 15, "second": 22}
